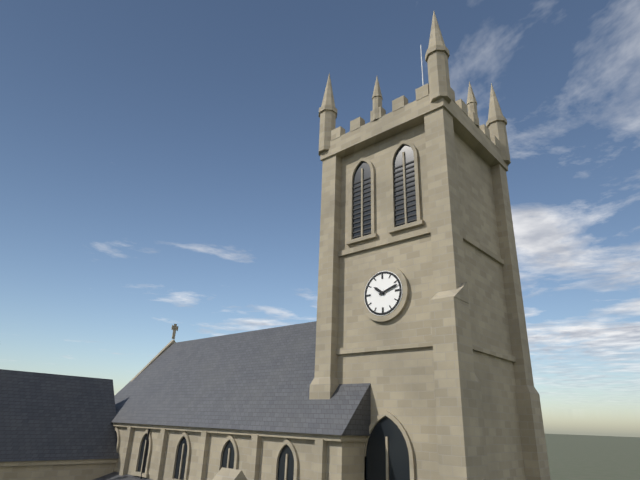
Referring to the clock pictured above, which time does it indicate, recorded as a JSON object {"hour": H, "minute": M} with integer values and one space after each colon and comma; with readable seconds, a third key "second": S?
{"hour": 10, "minute": 12}
